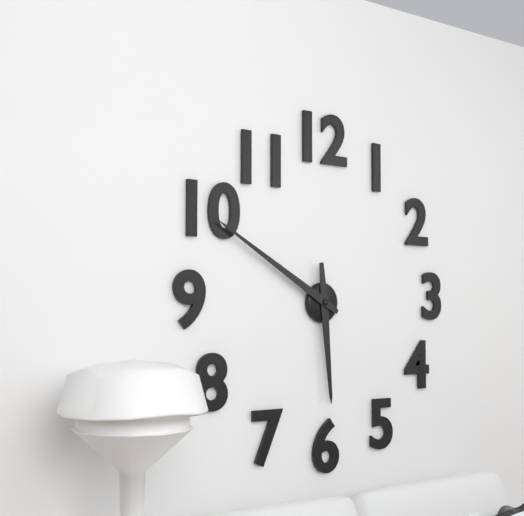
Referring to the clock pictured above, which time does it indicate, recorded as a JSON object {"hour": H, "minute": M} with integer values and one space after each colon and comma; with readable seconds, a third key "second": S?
{"hour": 5, "minute": 50}
